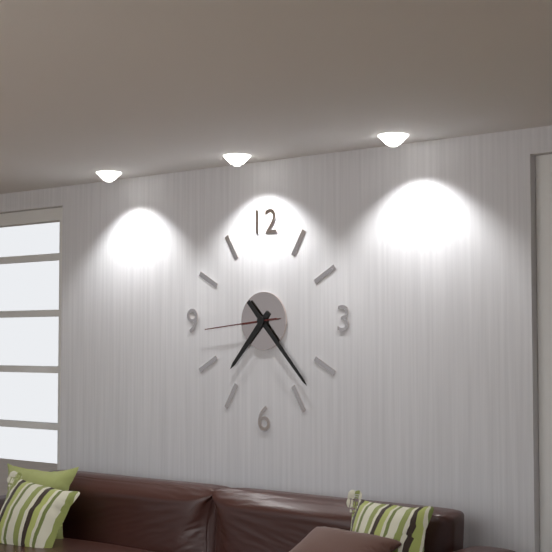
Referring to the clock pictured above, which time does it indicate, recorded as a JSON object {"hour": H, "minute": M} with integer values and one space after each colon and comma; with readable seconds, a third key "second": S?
{"hour": 7, "minute": 23, "second": 44}
